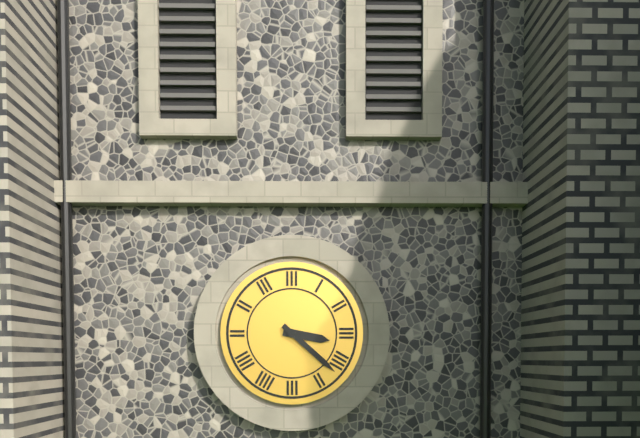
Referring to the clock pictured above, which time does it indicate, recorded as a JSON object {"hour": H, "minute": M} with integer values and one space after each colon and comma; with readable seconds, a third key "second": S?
{"hour": 3, "minute": 22}
